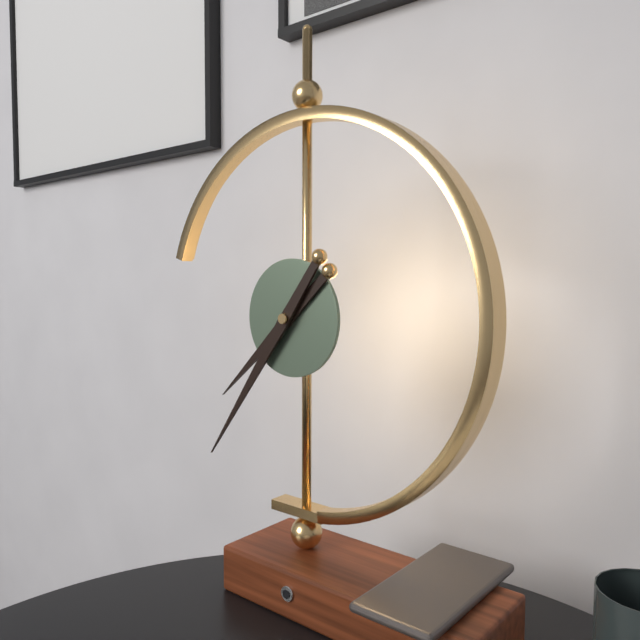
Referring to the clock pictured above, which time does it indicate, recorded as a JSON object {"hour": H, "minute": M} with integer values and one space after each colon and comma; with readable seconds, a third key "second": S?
{"hour": 7, "minute": 36}
